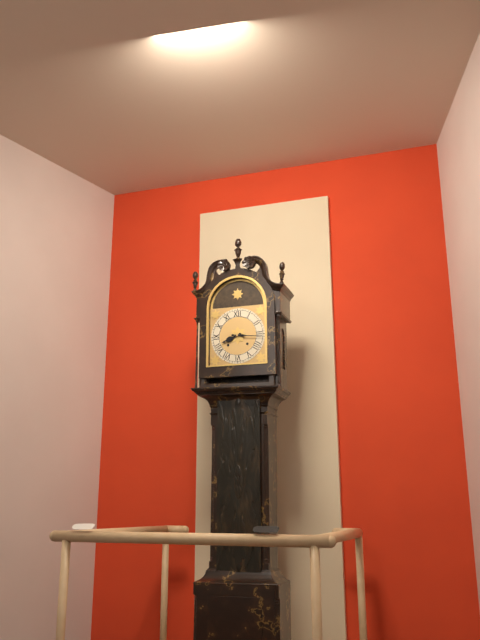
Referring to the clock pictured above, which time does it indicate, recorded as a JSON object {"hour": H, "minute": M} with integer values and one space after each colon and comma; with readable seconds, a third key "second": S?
{"hour": 8, "minute": 16}
